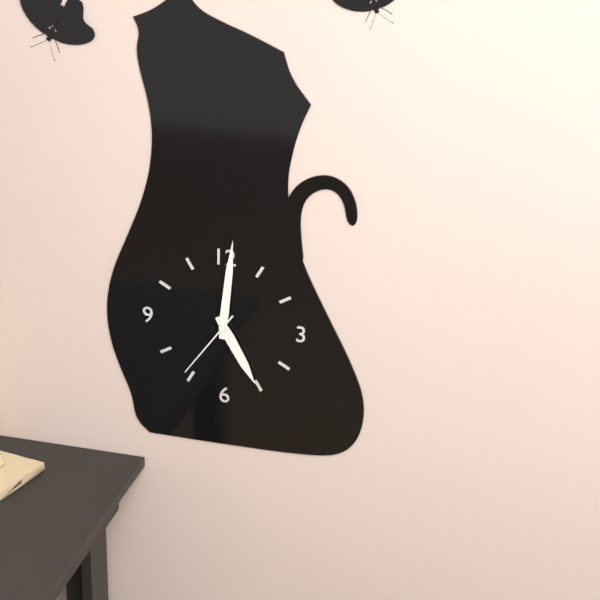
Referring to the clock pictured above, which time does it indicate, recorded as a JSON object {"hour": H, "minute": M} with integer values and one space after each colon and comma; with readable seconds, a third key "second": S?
{"hour": 5, "minute": 1, "second": 36}
